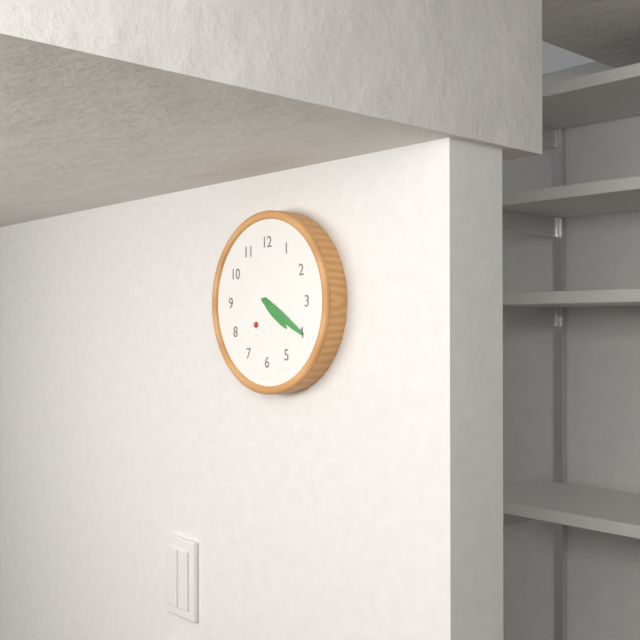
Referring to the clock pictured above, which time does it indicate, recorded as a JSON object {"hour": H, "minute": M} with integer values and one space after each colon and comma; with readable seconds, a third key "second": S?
{"hour": 4, "minute": 20}
